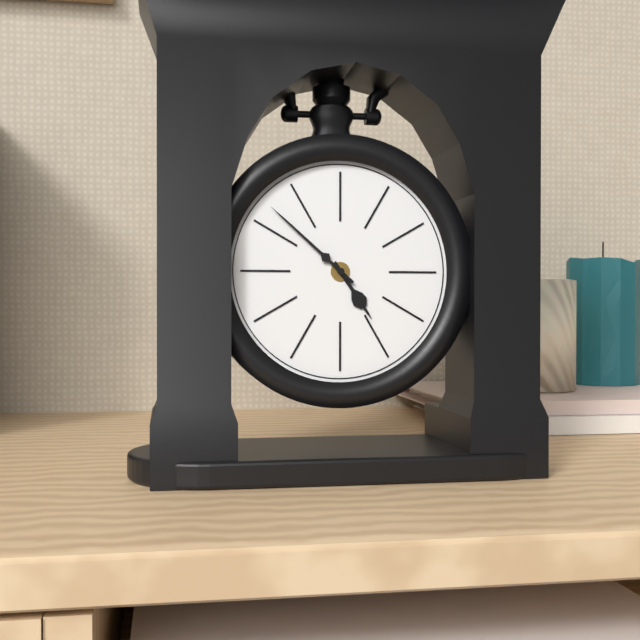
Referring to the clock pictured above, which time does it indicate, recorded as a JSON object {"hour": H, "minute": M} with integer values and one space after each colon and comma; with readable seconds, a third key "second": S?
{"hour": 4, "minute": 52}
